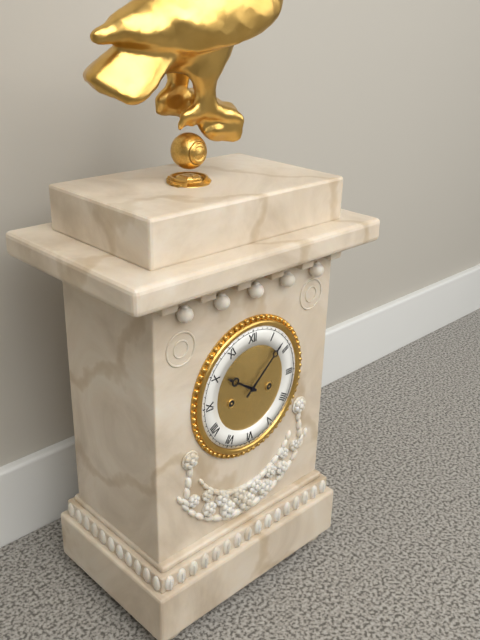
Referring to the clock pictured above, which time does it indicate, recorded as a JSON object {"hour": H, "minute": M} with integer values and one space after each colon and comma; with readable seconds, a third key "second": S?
{"hour": 10, "minute": 8}
